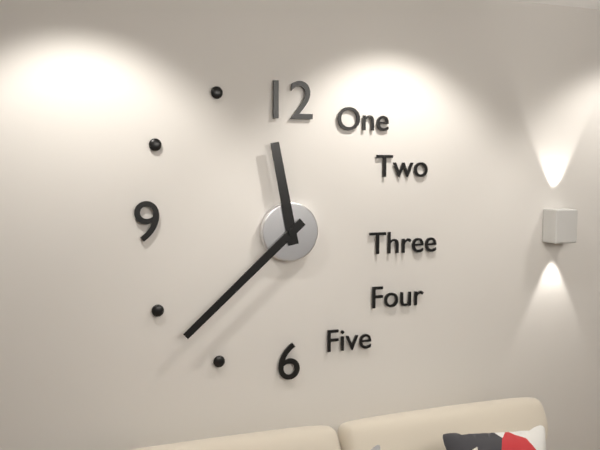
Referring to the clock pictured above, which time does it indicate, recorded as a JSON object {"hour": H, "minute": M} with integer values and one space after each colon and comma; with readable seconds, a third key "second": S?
{"hour": 11, "minute": 38}
